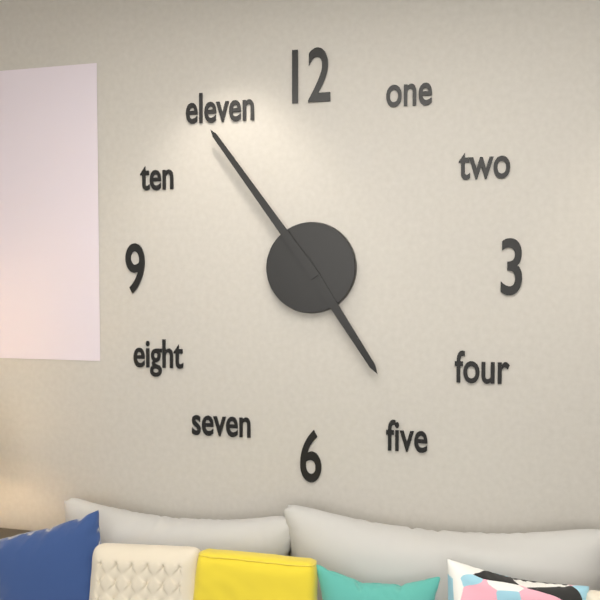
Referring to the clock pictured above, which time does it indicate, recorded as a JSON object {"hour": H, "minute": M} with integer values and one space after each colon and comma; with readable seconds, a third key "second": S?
{"hour": 4, "minute": 54}
